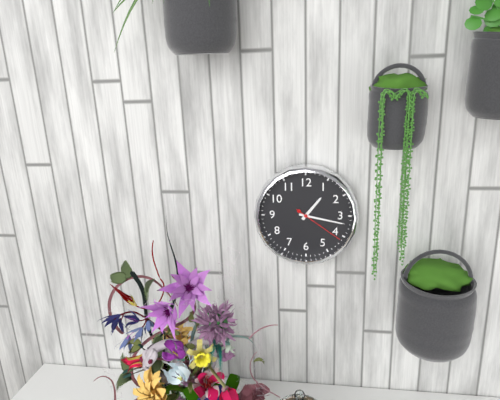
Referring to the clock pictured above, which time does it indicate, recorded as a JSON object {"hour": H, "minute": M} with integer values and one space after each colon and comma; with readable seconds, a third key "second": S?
{"hour": 1, "minute": 17, "second": 21}
